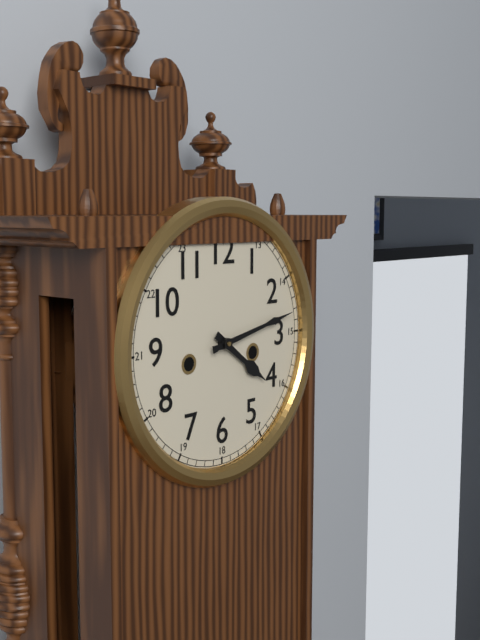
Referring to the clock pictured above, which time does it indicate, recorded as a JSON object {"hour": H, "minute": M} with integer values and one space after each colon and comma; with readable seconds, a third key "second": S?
{"hour": 4, "minute": 13}
